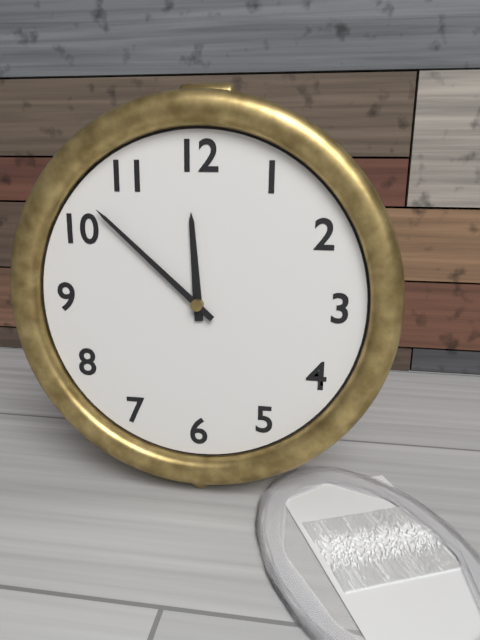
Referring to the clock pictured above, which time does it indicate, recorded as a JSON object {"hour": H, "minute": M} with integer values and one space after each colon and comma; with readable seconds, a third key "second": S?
{"hour": 11, "minute": 52}
